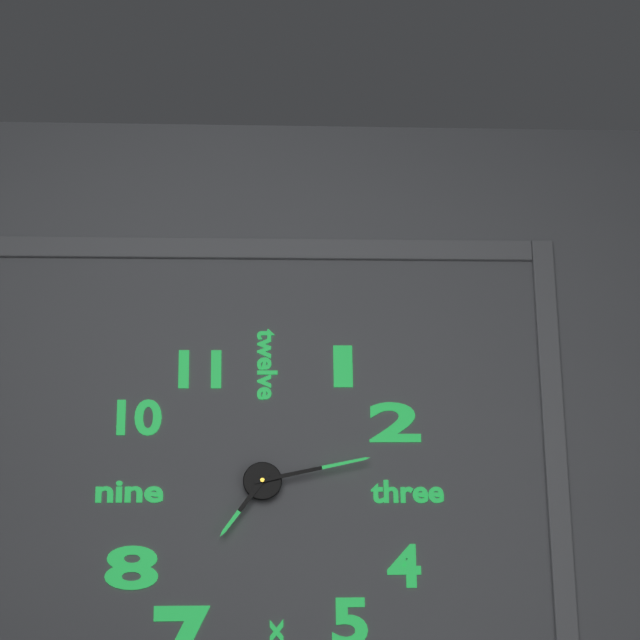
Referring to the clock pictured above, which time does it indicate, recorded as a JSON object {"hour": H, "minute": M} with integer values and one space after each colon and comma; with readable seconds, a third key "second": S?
{"hour": 7, "minute": 13}
